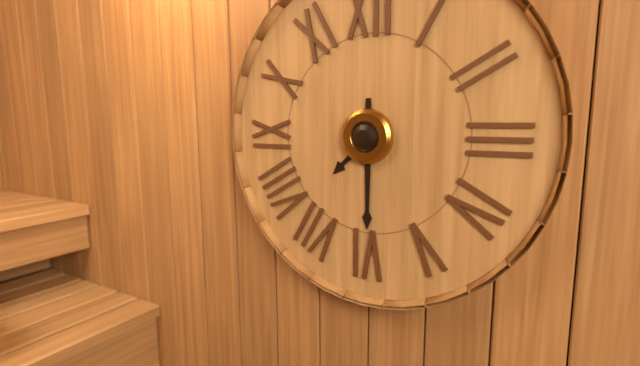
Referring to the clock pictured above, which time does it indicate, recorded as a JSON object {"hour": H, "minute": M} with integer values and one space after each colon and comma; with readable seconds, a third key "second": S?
{"hour": 7, "minute": 30}
